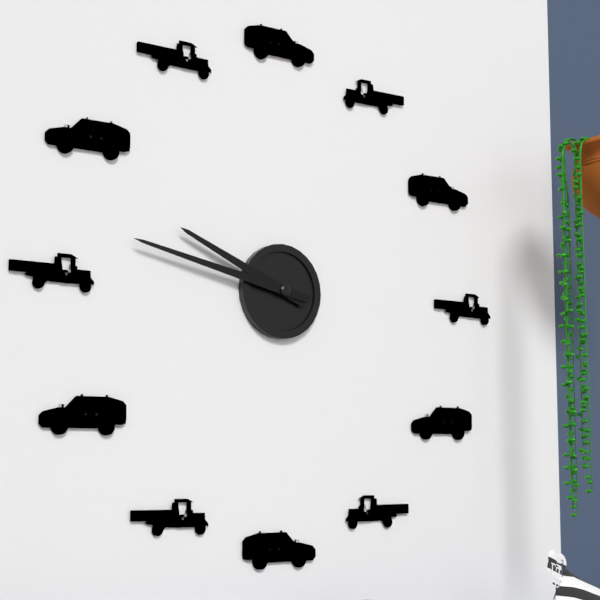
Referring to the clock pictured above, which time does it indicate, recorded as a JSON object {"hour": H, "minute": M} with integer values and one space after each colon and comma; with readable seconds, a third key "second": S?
{"hour": 9, "minute": 47}
